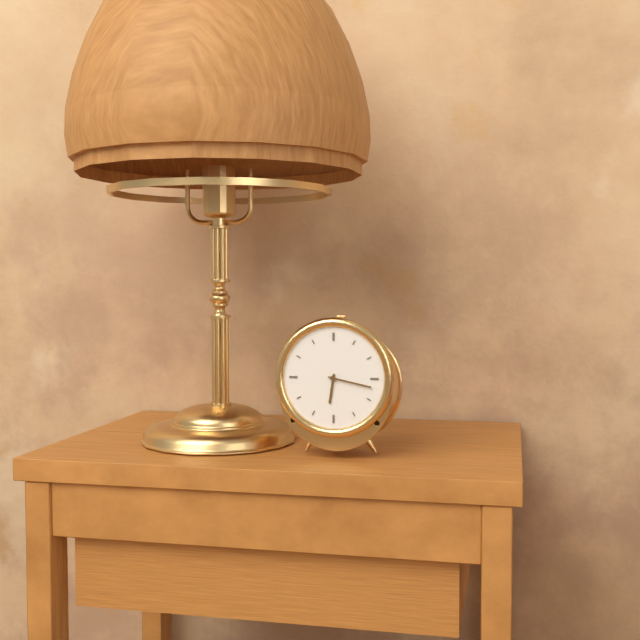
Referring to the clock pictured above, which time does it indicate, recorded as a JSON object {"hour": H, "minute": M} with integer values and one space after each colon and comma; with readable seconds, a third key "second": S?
{"hour": 6, "minute": 17}
